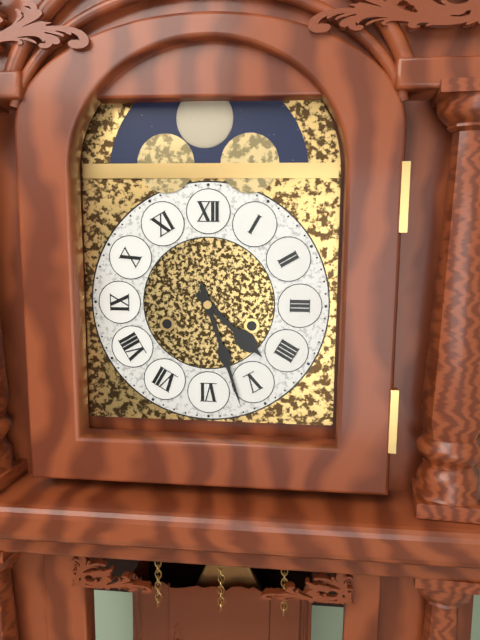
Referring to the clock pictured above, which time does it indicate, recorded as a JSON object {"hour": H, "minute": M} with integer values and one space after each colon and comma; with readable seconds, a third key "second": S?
{"hour": 4, "minute": 27}
